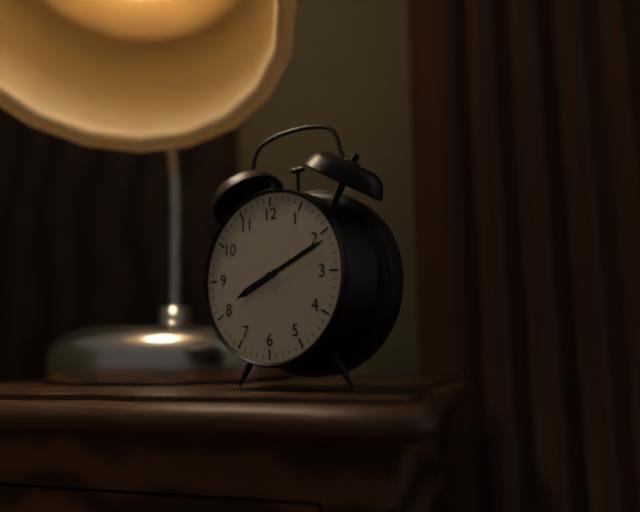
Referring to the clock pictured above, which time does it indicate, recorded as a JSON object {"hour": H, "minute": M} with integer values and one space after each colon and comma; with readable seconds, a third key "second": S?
{"hour": 8, "minute": 11}
